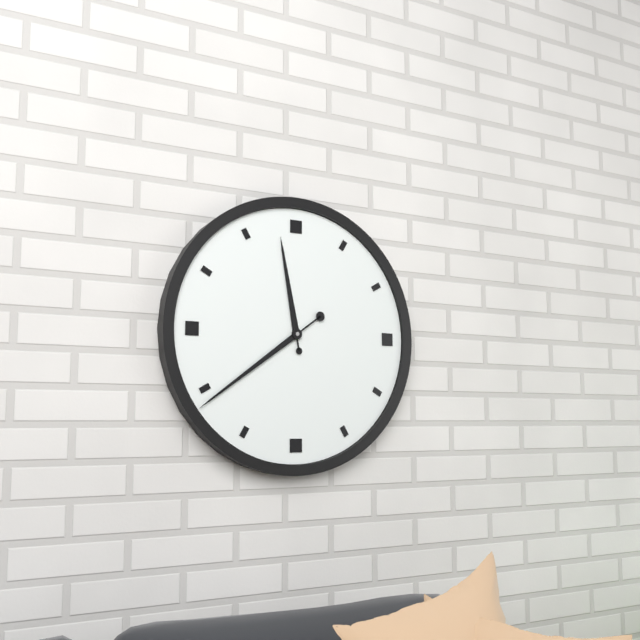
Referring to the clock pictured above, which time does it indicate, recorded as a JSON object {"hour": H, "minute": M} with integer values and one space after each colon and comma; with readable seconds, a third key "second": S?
{"hour": 11, "minute": 39}
